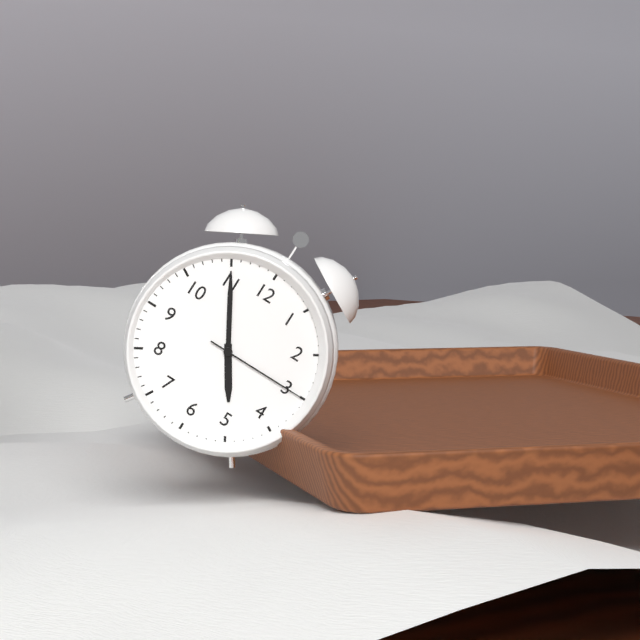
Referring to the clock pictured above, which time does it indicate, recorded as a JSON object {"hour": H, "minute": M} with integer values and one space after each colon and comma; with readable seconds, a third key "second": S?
{"hour": 4, "minute": 55, "second": 15}
